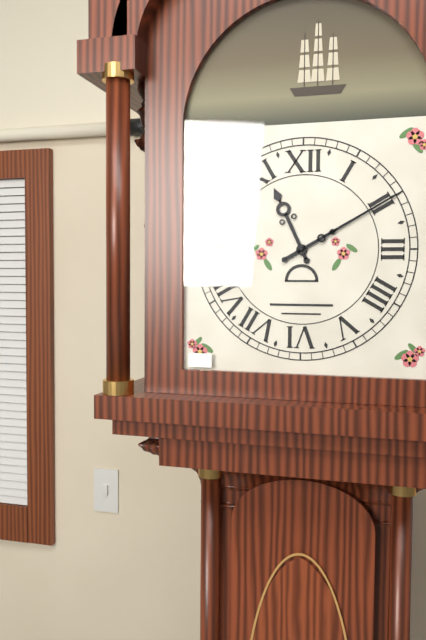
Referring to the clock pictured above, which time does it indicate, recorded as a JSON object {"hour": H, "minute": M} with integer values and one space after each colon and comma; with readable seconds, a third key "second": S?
{"hour": 11, "minute": 10}
